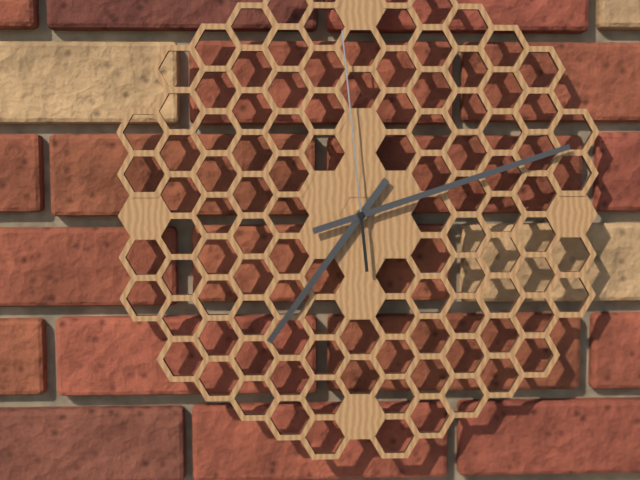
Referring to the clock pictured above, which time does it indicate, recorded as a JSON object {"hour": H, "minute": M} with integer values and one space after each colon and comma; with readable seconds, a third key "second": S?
{"hour": 7, "minute": 12, "second": 59}
